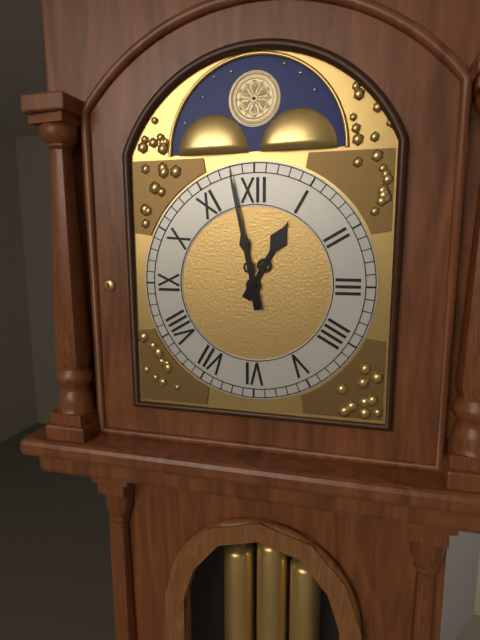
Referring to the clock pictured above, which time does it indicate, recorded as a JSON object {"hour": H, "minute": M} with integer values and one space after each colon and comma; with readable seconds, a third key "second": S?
{"hour": 12, "minute": 58}
